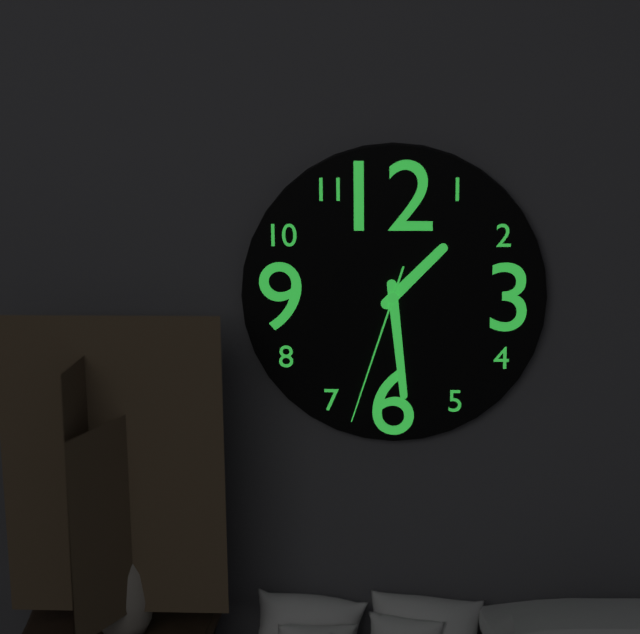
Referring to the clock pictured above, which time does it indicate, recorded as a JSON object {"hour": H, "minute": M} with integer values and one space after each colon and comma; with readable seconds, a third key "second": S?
{"hour": 1, "minute": 29, "second": 33}
